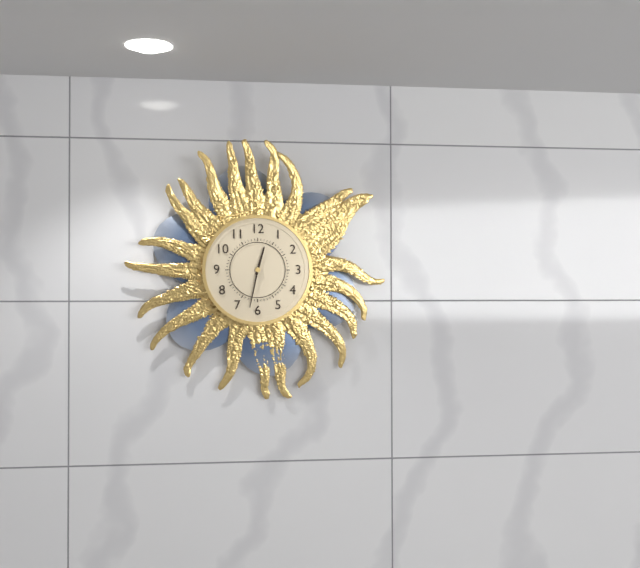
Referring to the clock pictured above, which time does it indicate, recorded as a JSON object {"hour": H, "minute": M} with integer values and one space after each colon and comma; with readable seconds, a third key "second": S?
{"hour": 12, "minute": 32}
